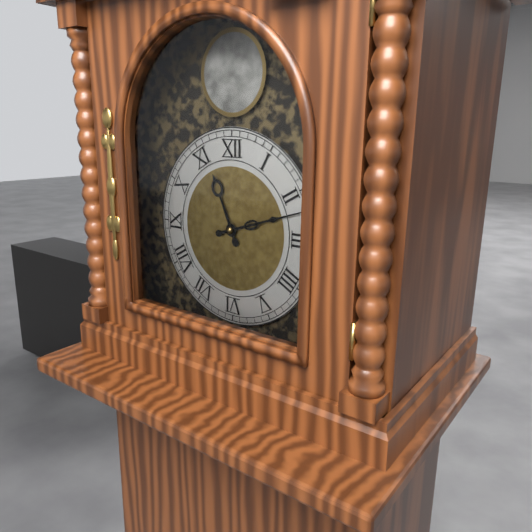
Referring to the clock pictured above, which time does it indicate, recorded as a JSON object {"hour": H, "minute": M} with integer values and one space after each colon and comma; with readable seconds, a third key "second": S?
{"hour": 11, "minute": 12}
